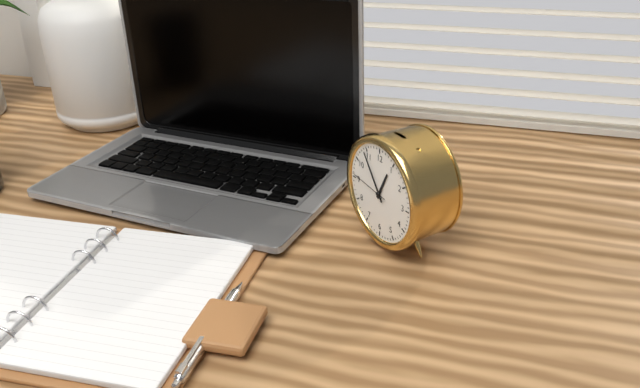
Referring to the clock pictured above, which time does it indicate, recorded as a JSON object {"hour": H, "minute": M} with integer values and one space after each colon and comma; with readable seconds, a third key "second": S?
{"hour": 12, "minute": 54}
